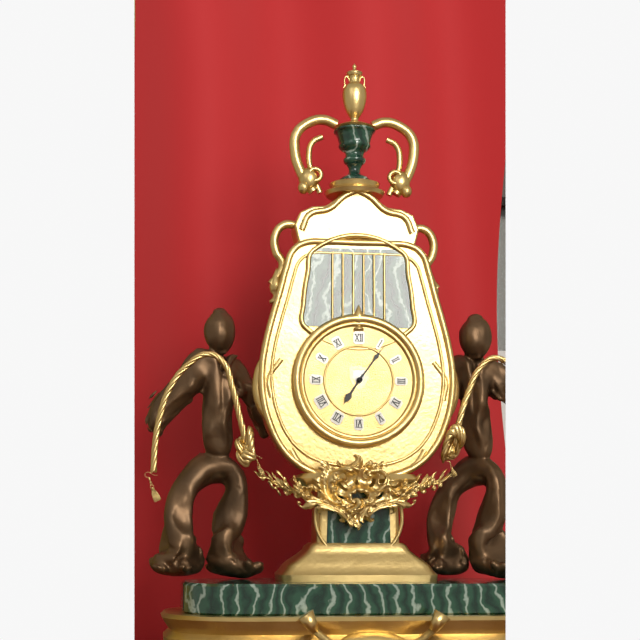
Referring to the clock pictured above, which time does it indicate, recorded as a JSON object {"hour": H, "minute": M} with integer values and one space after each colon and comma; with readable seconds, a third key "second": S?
{"hour": 7, "minute": 6}
